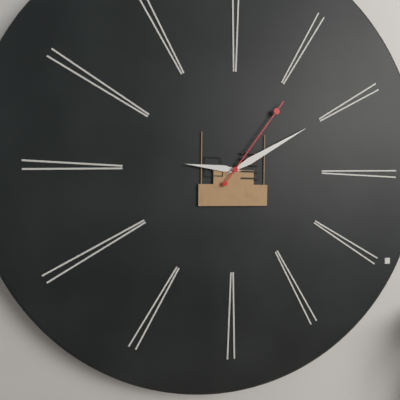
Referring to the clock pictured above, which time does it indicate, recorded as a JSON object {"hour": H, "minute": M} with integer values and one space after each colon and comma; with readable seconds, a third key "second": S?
{"hour": 9, "minute": 10, "second": 6}
